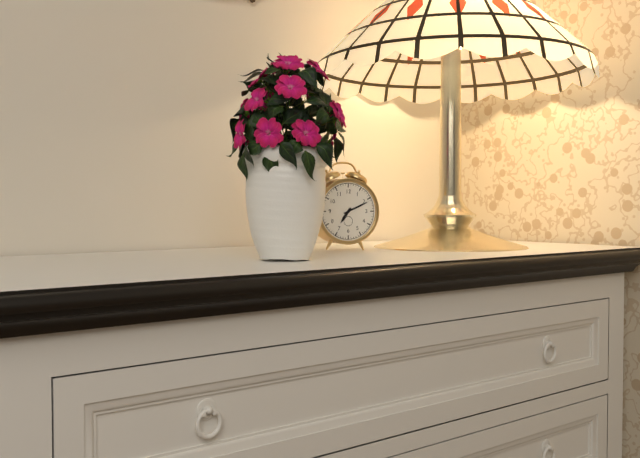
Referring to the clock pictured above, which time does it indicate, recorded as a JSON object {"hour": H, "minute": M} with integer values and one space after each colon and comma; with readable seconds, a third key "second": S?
{"hour": 7, "minute": 11}
